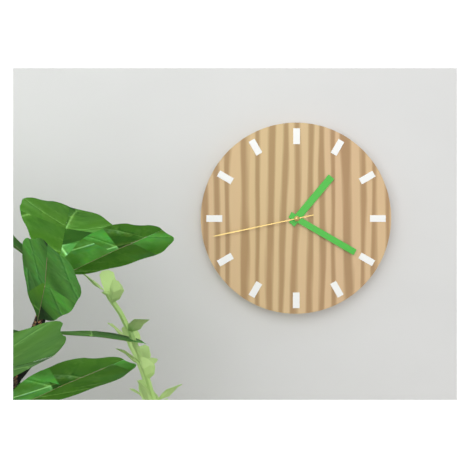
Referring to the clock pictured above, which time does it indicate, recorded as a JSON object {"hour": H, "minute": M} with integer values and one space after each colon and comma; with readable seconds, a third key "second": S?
{"hour": 1, "minute": 20, "second": 43}
